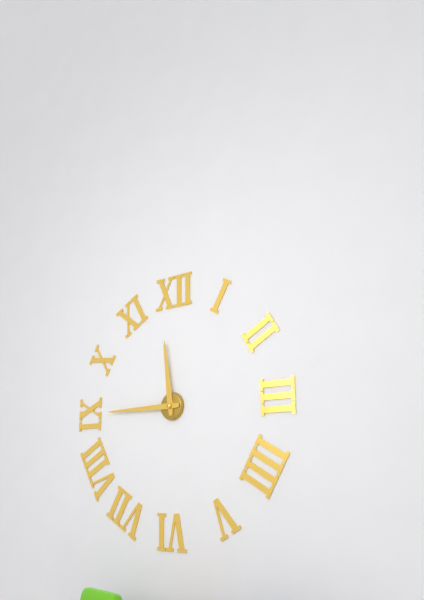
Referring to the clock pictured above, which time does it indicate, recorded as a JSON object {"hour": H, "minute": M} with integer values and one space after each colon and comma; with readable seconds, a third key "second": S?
{"hour": 11, "minute": 45}
